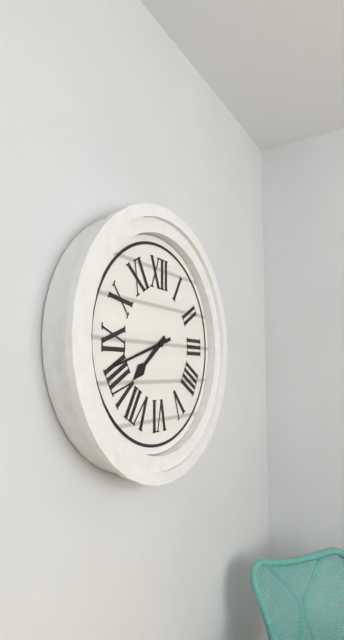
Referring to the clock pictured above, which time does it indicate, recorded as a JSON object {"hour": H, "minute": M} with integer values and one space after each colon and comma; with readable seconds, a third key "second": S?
{"hour": 7, "minute": 42}
